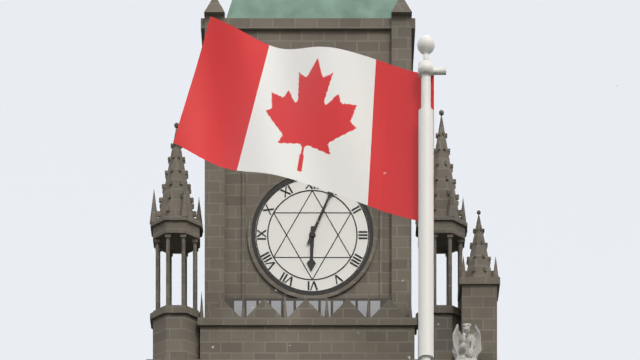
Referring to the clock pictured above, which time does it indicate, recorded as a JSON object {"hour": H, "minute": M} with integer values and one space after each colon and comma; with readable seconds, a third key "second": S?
{"hour": 6, "minute": 4}
